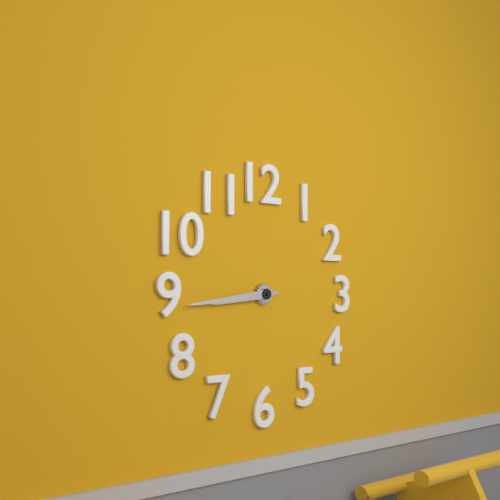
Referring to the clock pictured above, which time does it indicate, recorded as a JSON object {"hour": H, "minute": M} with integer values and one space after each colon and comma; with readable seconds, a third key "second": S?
{"hour": 8, "minute": 44}
